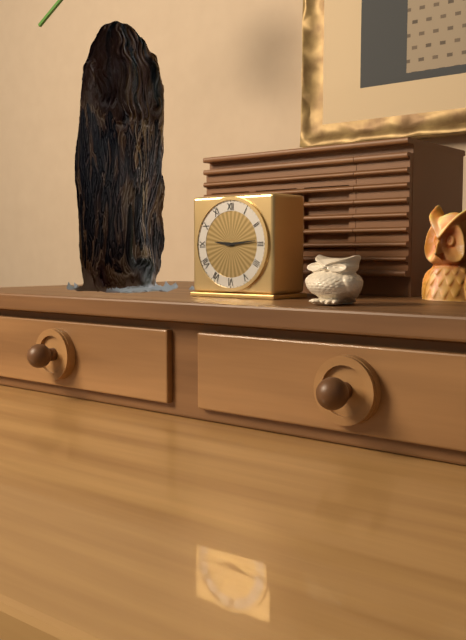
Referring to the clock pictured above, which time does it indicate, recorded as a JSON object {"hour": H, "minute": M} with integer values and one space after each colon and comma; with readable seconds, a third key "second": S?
{"hour": 9, "minute": 14}
